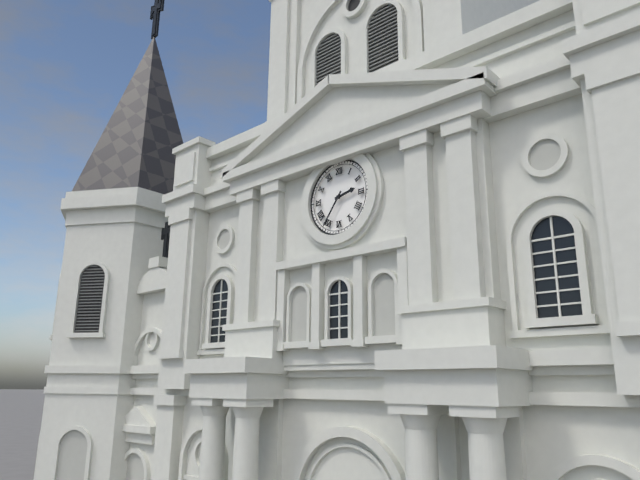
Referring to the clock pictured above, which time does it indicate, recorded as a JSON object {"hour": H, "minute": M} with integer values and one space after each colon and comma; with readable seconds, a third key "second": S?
{"hour": 2, "minute": 36}
